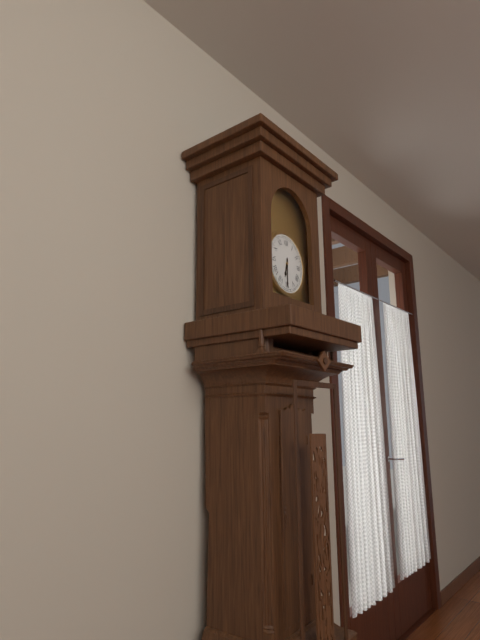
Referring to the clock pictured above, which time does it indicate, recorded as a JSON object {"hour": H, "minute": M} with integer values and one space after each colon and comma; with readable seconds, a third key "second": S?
{"hour": 6, "minute": 30}
